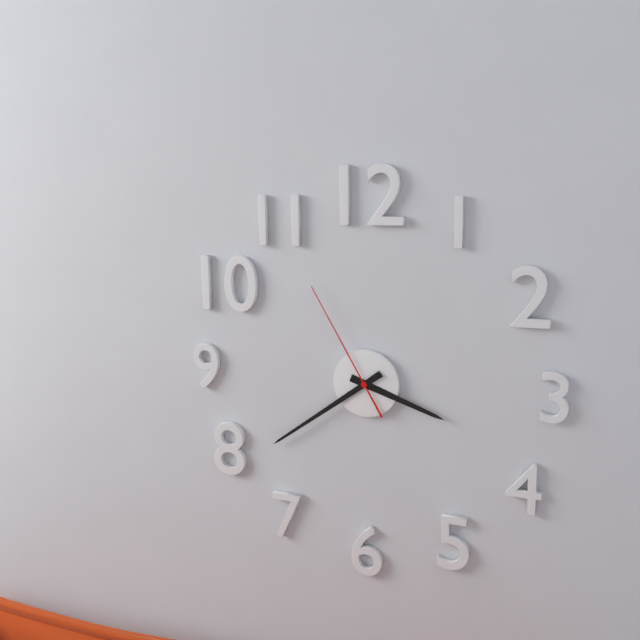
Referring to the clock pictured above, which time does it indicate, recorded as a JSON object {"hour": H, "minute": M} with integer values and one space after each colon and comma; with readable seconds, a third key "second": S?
{"hour": 3, "minute": 39, "second": 55}
